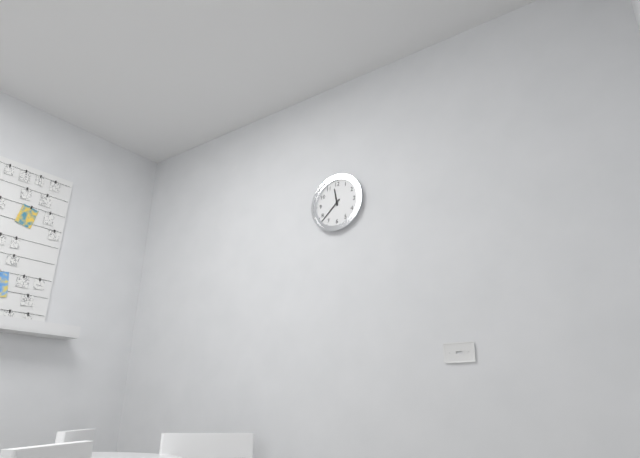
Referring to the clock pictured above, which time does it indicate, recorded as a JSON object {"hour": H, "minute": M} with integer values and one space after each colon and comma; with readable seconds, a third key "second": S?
{"hour": 11, "minute": 38}
